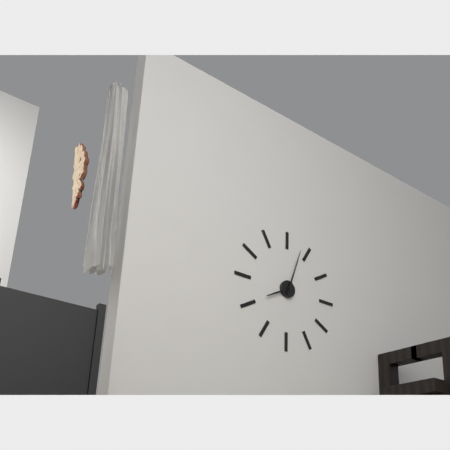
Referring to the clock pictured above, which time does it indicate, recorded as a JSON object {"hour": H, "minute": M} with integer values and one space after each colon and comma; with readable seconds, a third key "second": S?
{"hour": 8, "minute": 3}
